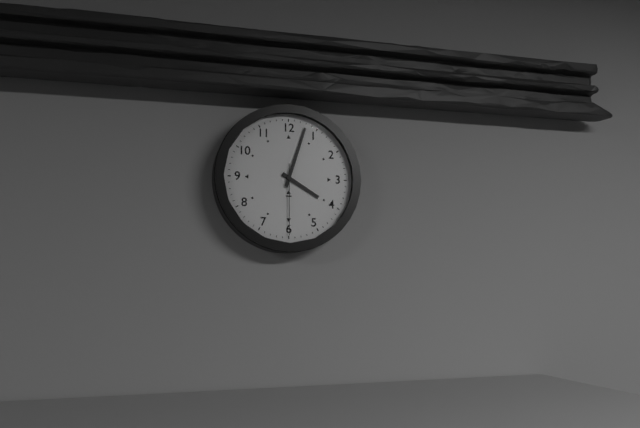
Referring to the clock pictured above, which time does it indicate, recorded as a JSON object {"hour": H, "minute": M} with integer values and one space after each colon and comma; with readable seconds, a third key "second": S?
{"hour": 4, "minute": 3, "second": 30}
